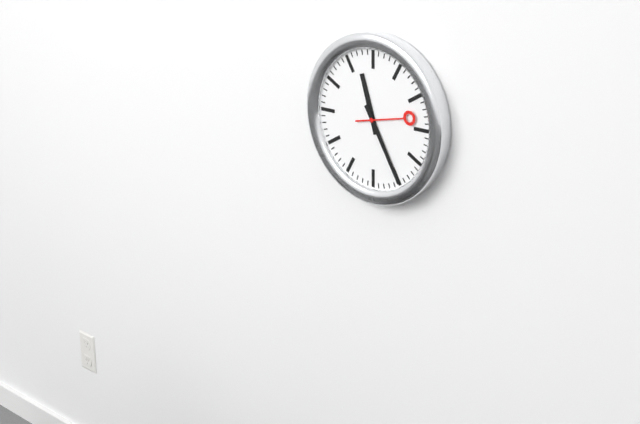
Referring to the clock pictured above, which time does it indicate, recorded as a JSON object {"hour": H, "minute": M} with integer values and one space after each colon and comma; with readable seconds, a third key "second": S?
{"hour": 11, "minute": 25}
